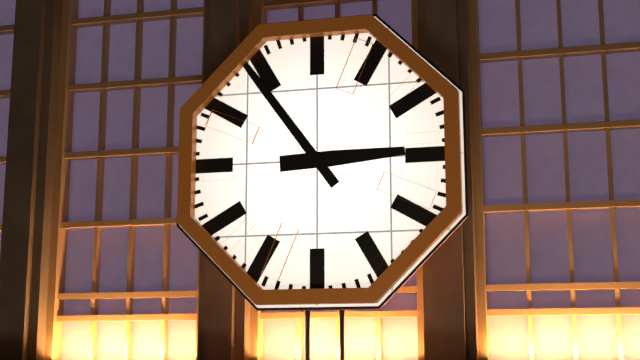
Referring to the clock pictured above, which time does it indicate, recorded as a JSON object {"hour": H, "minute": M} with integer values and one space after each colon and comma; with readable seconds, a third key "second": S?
{"hour": 2, "minute": 54}
